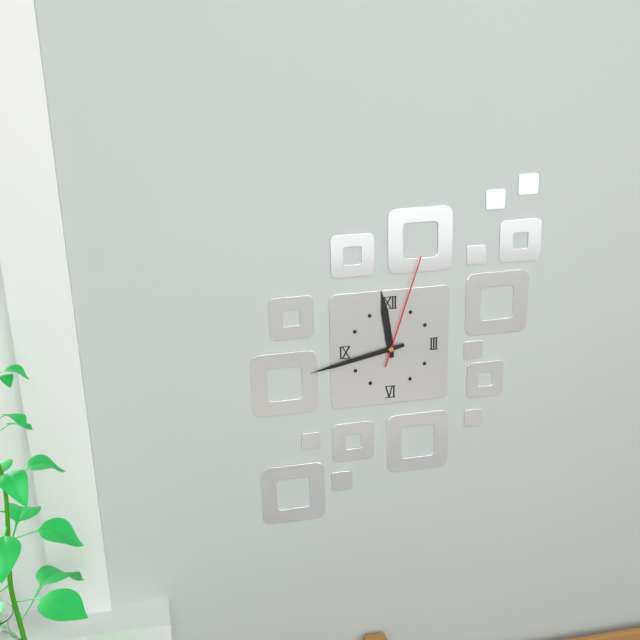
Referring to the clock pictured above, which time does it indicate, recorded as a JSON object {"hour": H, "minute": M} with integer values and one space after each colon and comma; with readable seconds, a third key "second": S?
{"hour": 11, "minute": 43, "second": 3}
